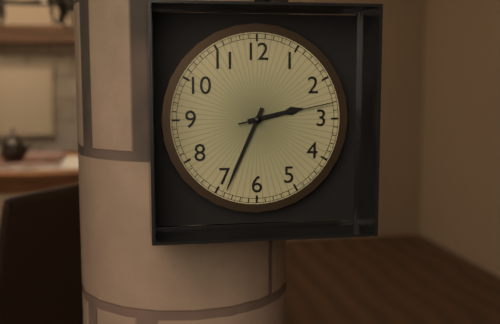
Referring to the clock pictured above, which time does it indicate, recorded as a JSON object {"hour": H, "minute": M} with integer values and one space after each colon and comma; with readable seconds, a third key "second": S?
{"hour": 2, "minute": 34, "second": 13}
